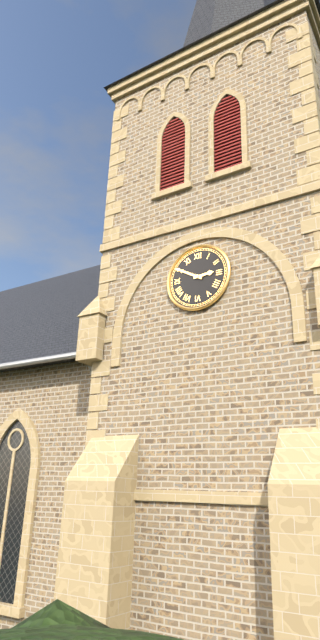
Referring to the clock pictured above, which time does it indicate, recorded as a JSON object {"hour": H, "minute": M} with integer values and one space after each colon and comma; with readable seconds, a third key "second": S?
{"hour": 2, "minute": 50}
